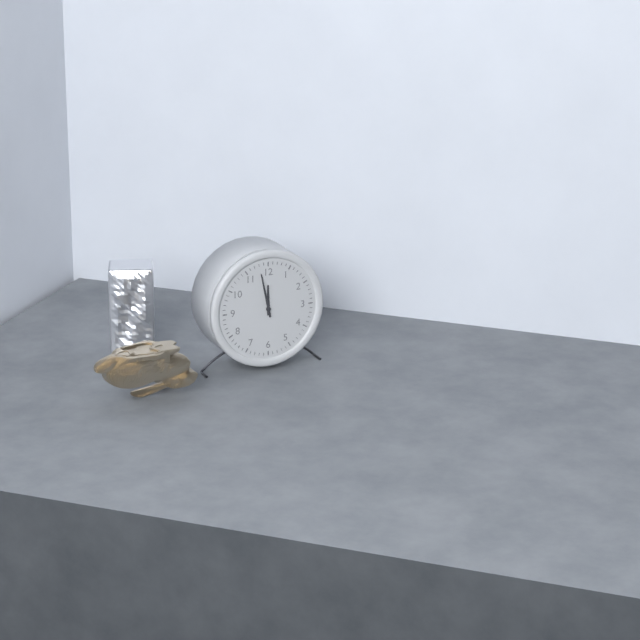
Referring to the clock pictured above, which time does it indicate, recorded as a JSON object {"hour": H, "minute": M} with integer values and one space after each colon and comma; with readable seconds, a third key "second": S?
{"hour": 11, "minute": 58}
